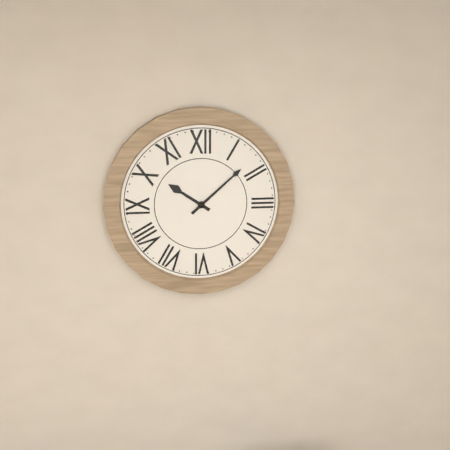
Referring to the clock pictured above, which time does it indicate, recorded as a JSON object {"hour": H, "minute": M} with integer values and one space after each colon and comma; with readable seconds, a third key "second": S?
{"hour": 10, "minute": 8}
